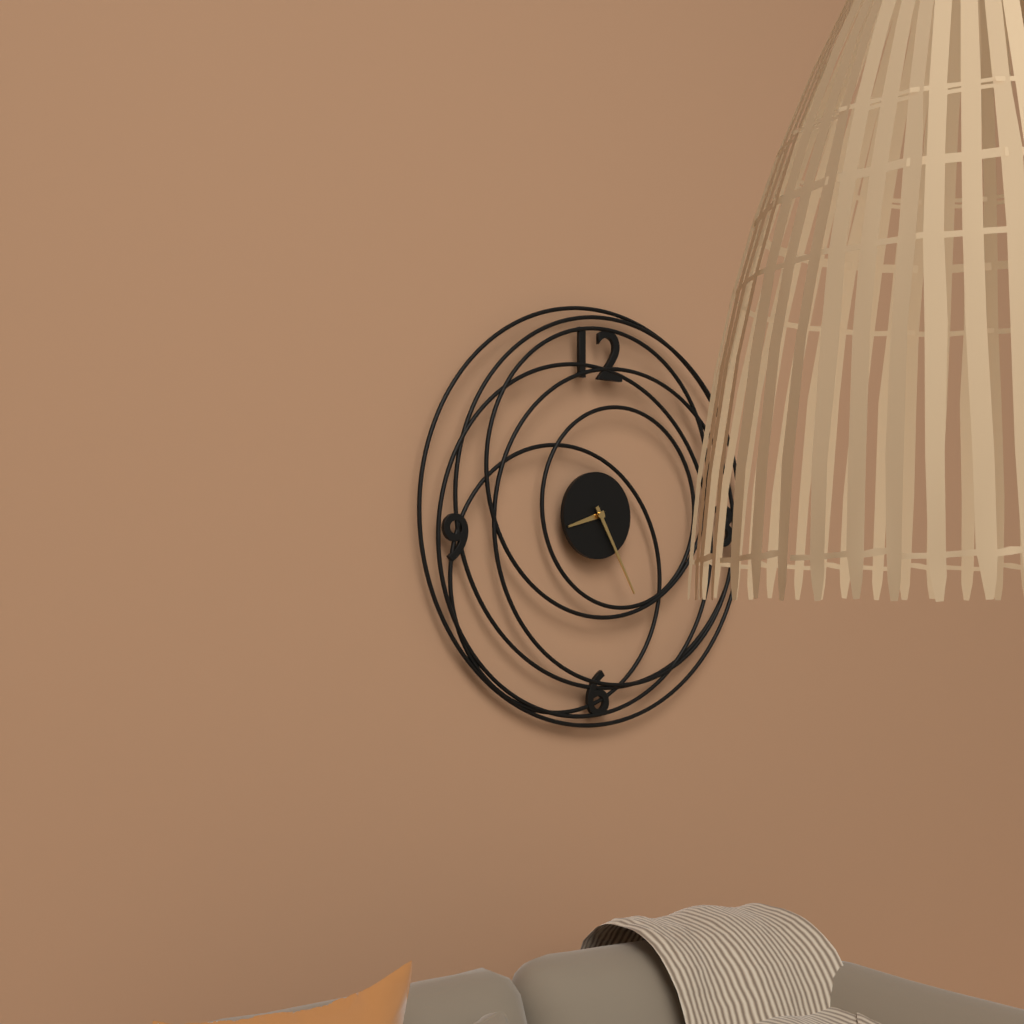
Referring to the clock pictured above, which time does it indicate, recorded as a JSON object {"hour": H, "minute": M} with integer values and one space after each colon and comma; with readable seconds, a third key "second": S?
{"hour": 8, "minute": 25}
